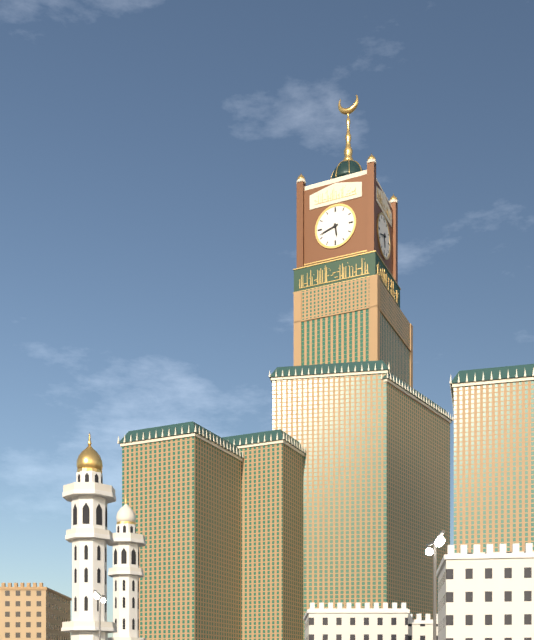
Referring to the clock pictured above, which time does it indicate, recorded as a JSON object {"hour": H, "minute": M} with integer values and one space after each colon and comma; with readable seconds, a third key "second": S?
{"hour": 5, "minute": 42}
